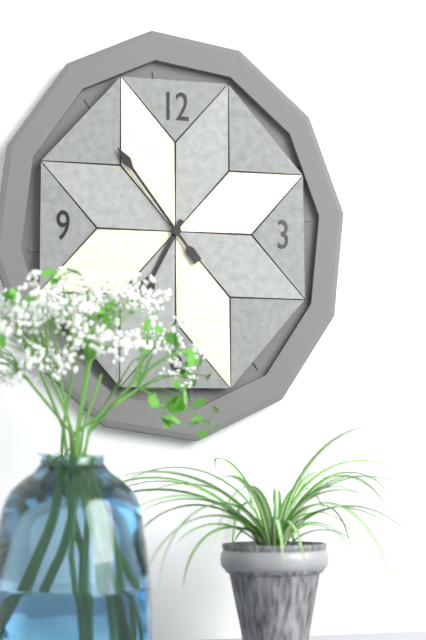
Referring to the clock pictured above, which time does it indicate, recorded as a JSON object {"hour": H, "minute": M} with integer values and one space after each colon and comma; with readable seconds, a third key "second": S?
{"hour": 6, "minute": 54}
